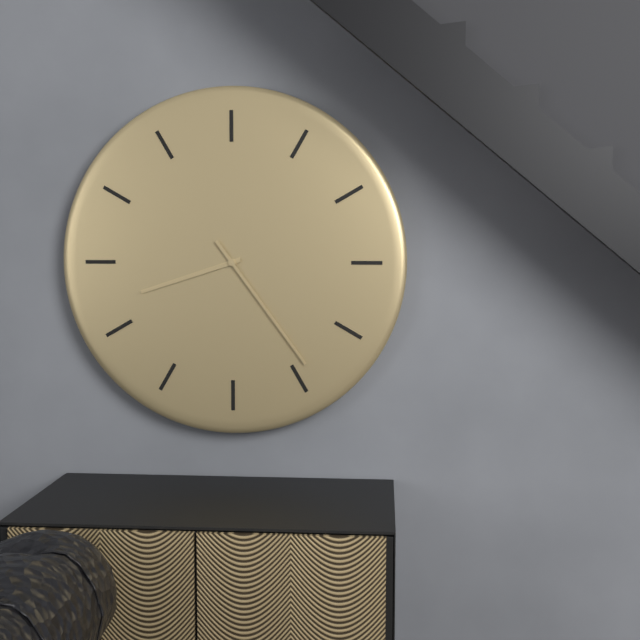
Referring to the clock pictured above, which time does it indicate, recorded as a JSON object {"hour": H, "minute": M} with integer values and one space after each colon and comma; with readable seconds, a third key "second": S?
{"hour": 8, "minute": 24}
